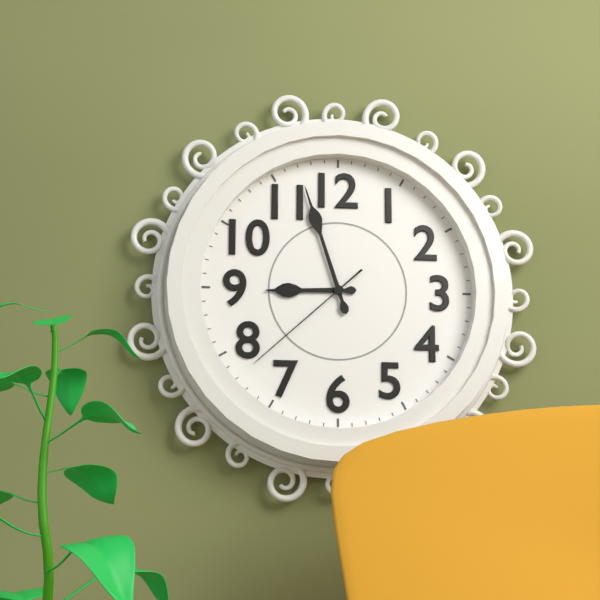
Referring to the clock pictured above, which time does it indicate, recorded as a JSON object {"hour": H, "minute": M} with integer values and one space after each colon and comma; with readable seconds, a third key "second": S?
{"hour": 8, "minute": 57, "second": 38}
